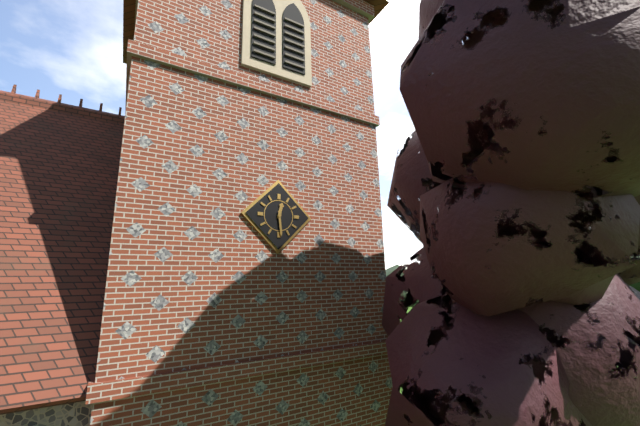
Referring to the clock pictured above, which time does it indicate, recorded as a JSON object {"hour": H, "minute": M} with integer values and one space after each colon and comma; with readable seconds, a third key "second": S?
{"hour": 12, "minute": 29}
